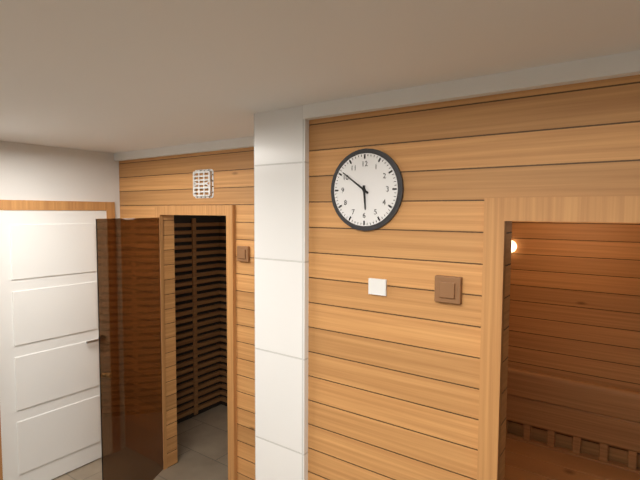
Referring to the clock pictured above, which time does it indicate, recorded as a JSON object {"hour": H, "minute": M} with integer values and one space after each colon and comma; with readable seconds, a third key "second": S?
{"hour": 5, "minute": 51}
